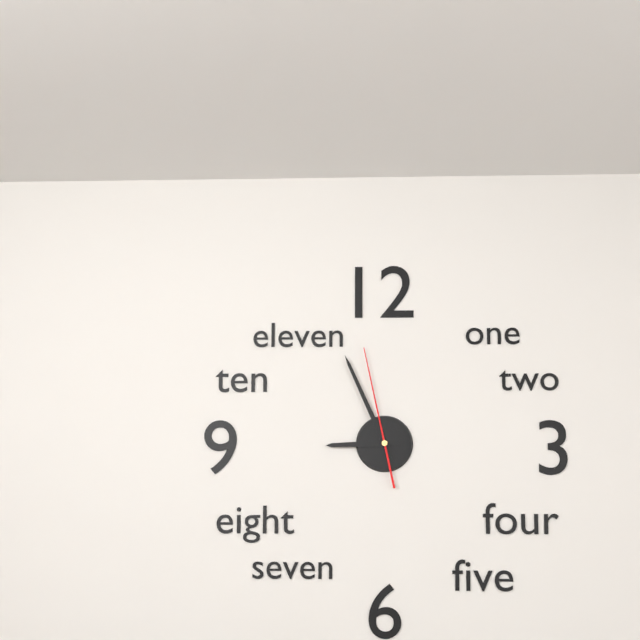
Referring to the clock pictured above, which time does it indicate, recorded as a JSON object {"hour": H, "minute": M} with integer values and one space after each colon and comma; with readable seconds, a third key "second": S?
{"hour": 8, "minute": 56, "second": 58}
